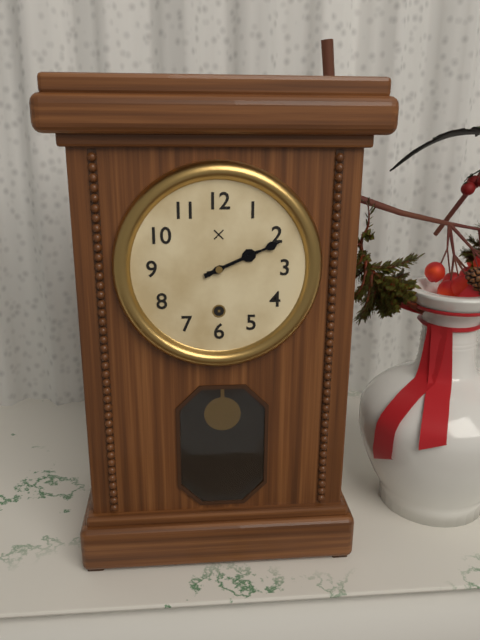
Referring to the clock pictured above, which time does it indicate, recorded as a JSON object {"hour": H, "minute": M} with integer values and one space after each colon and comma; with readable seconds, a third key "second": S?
{"hour": 2, "minute": 11}
